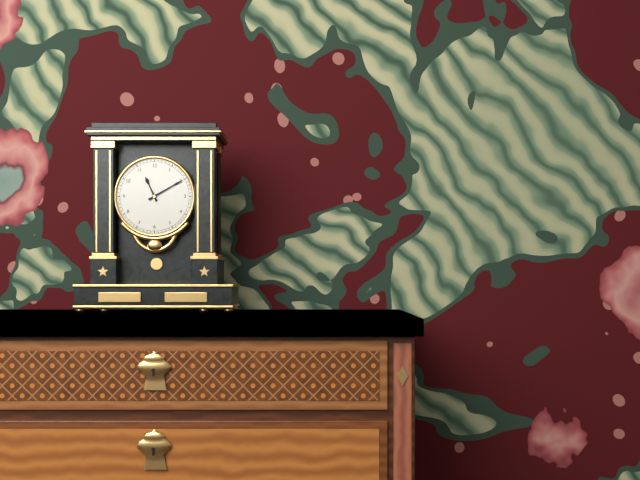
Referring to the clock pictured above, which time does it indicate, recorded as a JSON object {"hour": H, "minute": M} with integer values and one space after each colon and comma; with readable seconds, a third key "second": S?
{"hour": 11, "minute": 10}
